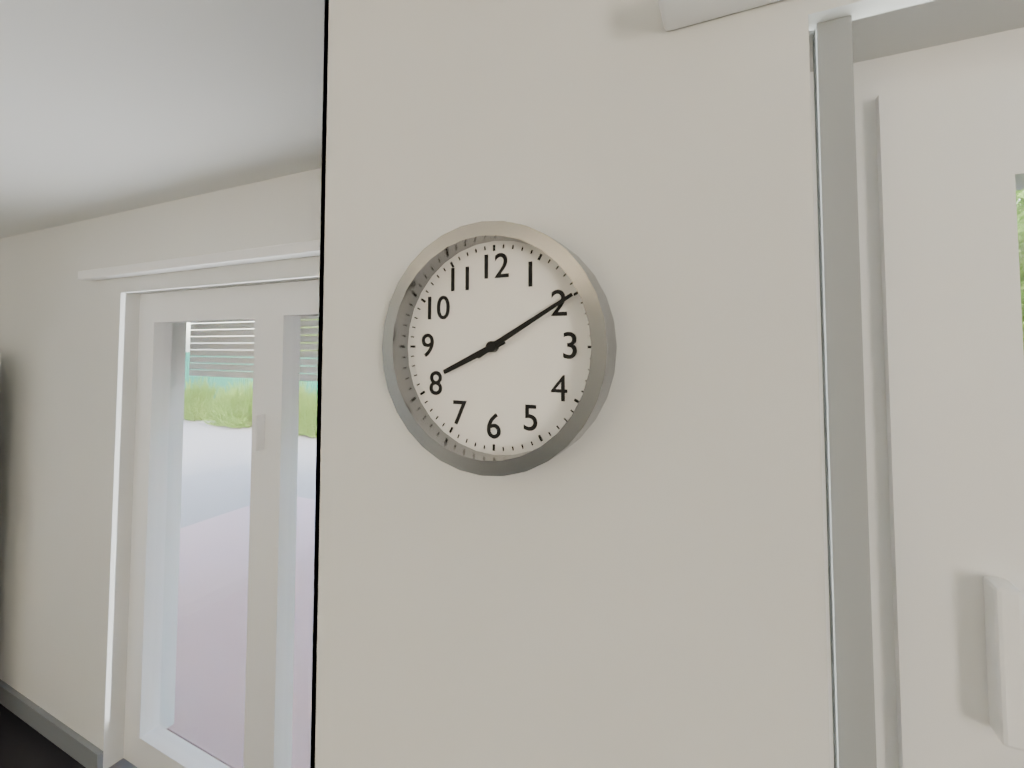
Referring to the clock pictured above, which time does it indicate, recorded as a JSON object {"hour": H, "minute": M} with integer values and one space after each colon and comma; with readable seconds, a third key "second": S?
{"hour": 8, "minute": 10}
